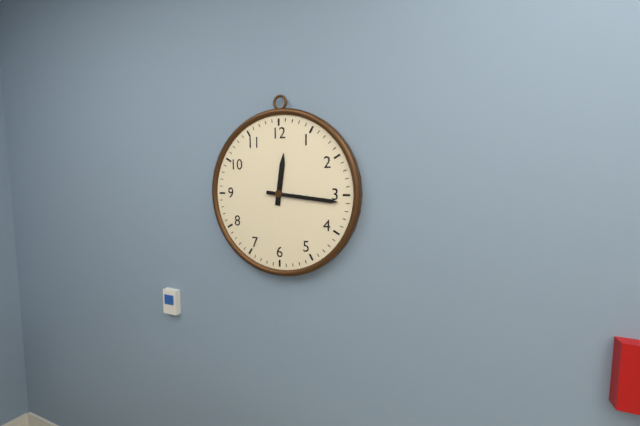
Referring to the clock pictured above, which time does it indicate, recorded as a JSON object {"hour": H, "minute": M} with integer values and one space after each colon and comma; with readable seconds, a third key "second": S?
{"hour": 12, "minute": 16}
